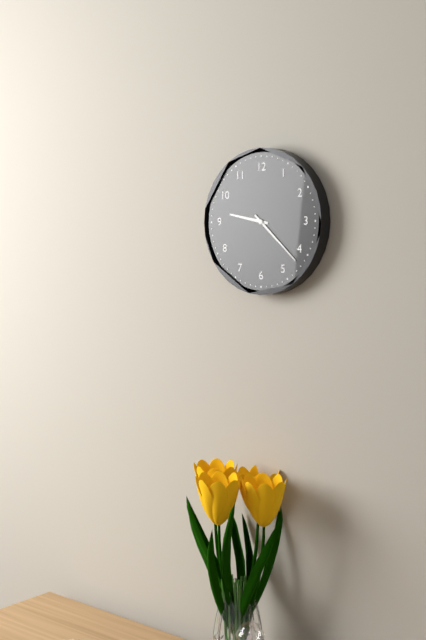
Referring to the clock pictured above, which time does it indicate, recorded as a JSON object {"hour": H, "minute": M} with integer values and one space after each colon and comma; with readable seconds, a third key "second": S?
{"hour": 9, "minute": 22}
